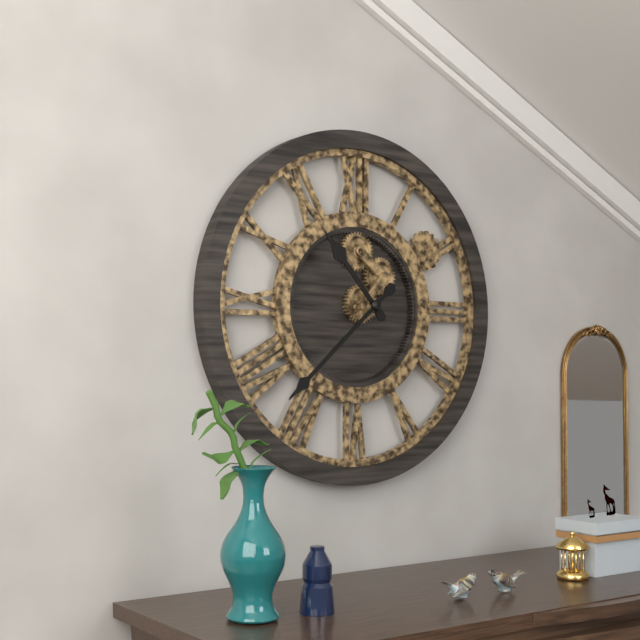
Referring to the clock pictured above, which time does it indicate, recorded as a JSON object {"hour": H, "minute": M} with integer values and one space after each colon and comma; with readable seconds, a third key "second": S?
{"hour": 10, "minute": 38}
